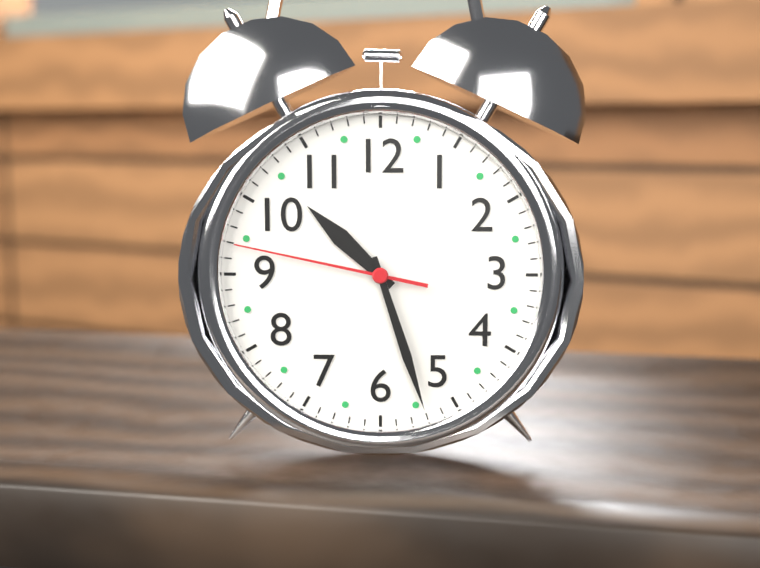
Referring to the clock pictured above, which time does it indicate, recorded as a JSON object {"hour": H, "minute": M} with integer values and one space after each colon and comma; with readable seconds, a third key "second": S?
{"hour": 10, "minute": 27, "second": 47}
